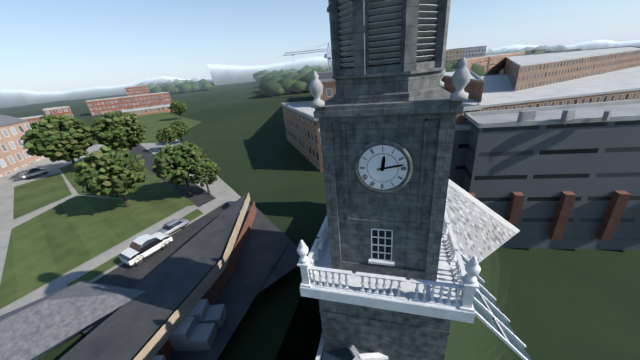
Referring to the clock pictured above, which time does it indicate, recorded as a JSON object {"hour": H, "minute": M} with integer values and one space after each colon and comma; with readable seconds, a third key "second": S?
{"hour": 12, "minute": 13}
